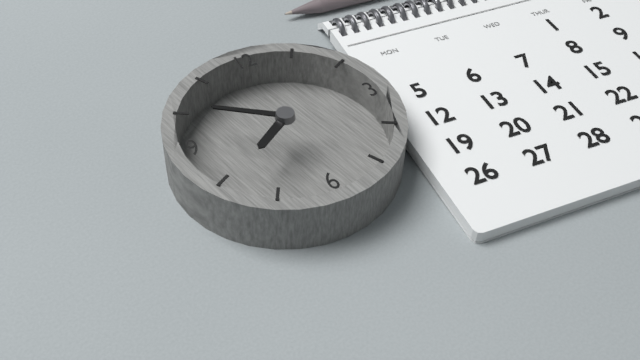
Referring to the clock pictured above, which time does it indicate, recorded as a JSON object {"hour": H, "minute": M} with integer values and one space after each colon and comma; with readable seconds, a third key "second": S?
{"hour": 7, "minute": 51}
